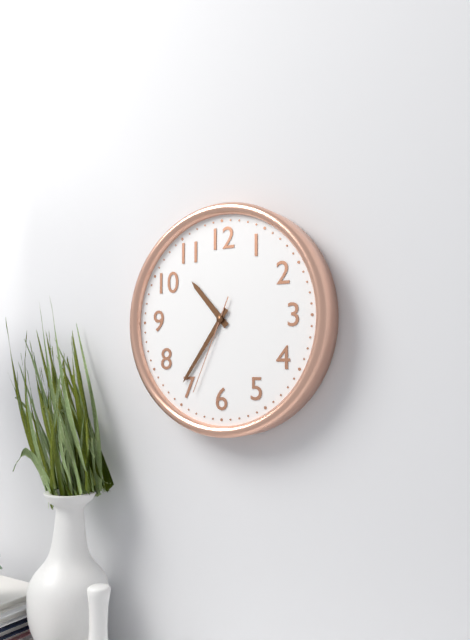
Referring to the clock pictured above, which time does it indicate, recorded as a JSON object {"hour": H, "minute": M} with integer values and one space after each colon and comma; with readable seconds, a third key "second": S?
{"hour": 10, "minute": 36, "second": 34}
